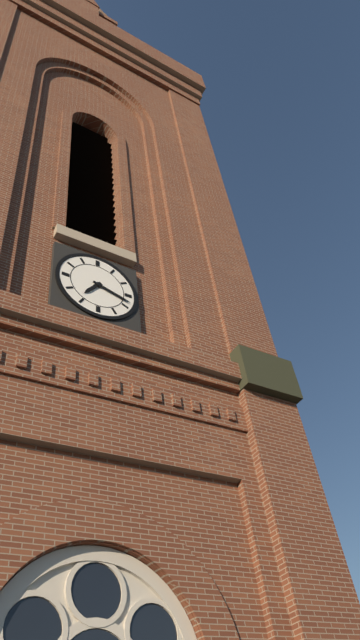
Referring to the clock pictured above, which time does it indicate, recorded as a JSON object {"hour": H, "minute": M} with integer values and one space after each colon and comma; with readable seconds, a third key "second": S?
{"hour": 7, "minute": 18}
